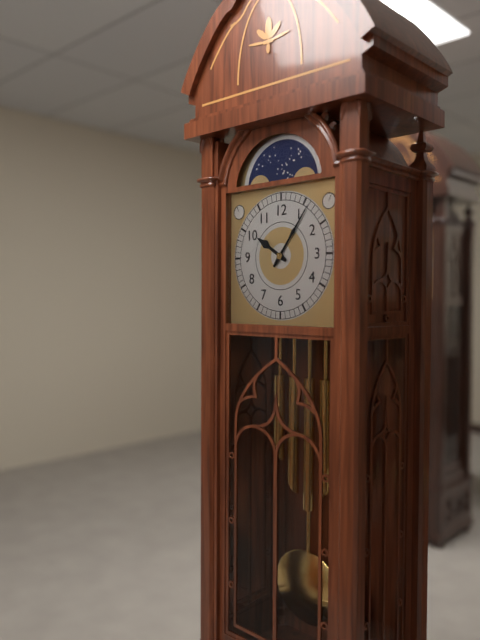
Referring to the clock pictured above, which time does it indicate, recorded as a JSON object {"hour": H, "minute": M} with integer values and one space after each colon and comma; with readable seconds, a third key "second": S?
{"hour": 10, "minute": 6}
